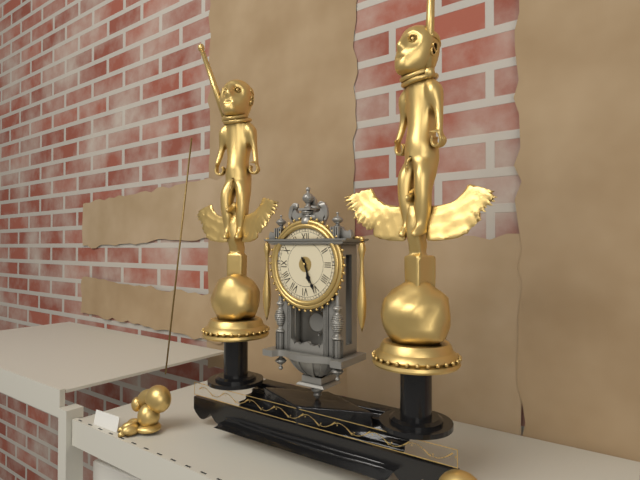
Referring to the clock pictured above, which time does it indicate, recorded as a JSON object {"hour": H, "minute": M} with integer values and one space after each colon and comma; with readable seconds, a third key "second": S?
{"hour": 5, "minute": 26}
